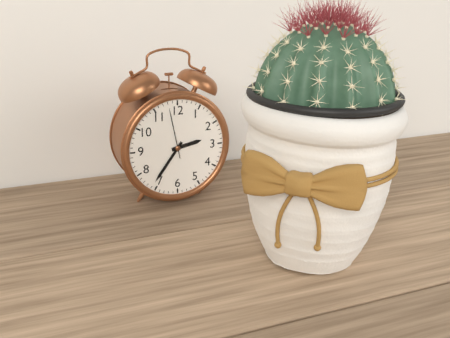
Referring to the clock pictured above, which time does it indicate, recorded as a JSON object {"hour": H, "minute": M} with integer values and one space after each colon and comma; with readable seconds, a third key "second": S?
{"hour": 2, "minute": 36, "second": 58}
